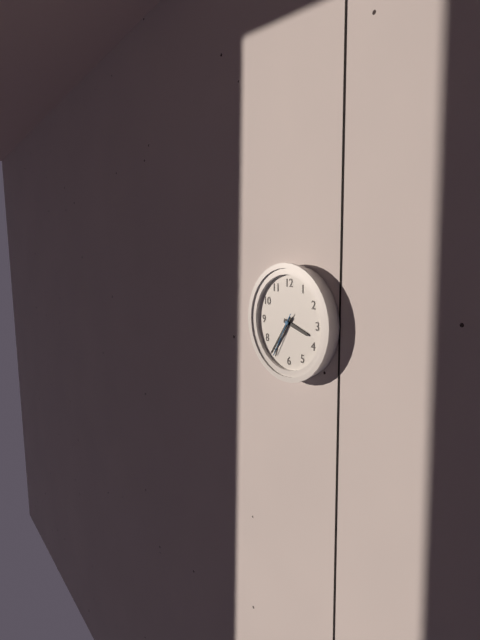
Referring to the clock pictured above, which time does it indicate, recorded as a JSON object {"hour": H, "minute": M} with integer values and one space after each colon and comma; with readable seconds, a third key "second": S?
{"hour": 3, "minute": 36}
